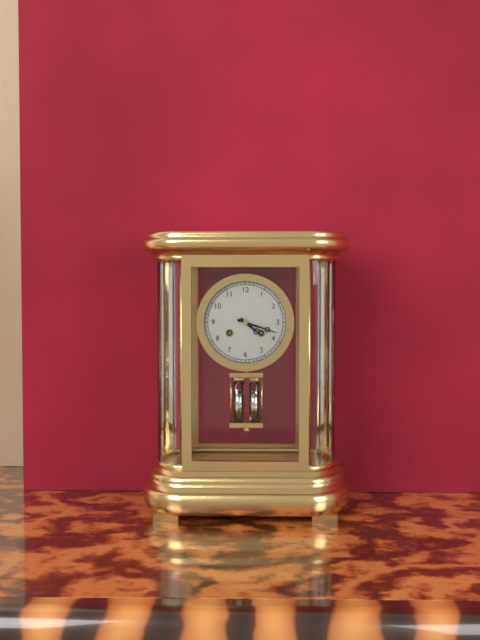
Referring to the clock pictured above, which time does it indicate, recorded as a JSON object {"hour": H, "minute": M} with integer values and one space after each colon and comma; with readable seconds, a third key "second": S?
{"hour": 4, "minute": 18}
